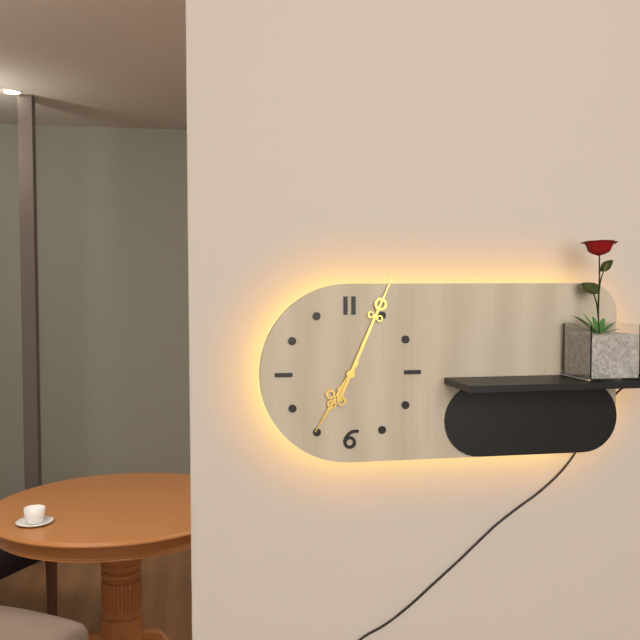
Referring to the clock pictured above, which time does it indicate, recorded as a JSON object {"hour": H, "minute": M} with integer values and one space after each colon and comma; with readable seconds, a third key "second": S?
{"hour": 7, "minute": 4}
